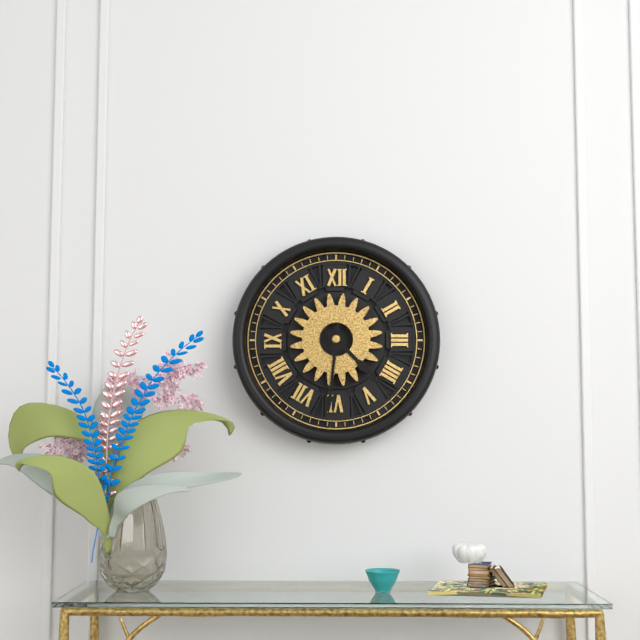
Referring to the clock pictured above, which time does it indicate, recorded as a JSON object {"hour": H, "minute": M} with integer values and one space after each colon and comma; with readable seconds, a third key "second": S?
{"hour": 4, "minute": 31}
